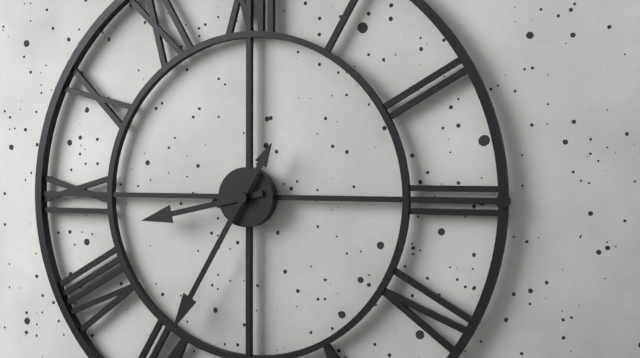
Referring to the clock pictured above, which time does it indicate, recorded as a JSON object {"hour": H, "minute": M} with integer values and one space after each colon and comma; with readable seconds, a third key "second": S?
{"hour": 8, "minute": 35}
